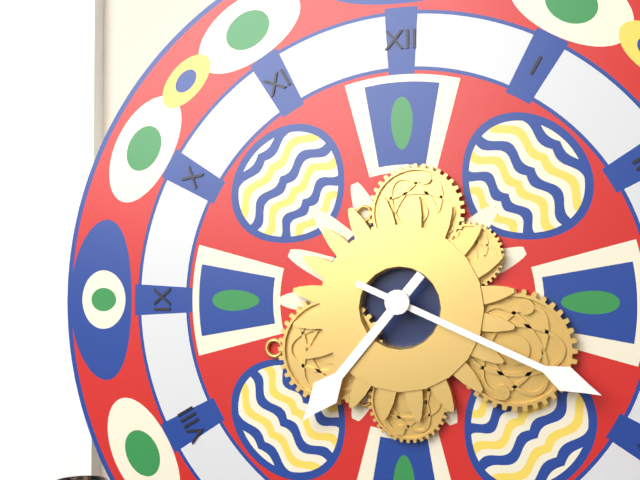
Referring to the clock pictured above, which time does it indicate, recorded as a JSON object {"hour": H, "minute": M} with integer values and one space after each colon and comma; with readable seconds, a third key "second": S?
{"hour": 7, "minute": 19}
